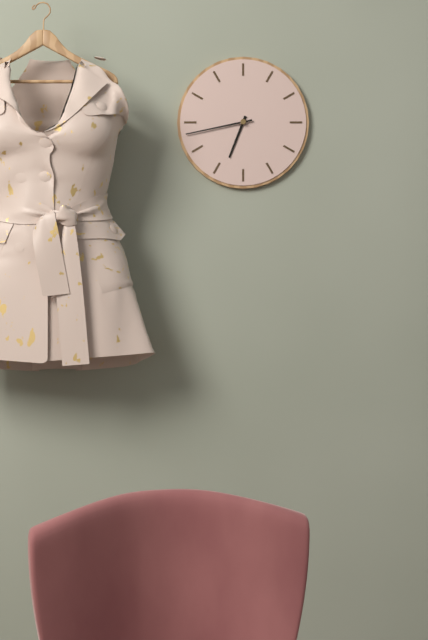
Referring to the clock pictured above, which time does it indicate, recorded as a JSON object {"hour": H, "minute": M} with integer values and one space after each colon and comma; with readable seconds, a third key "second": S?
{"hour": 6, "minute": 43}
